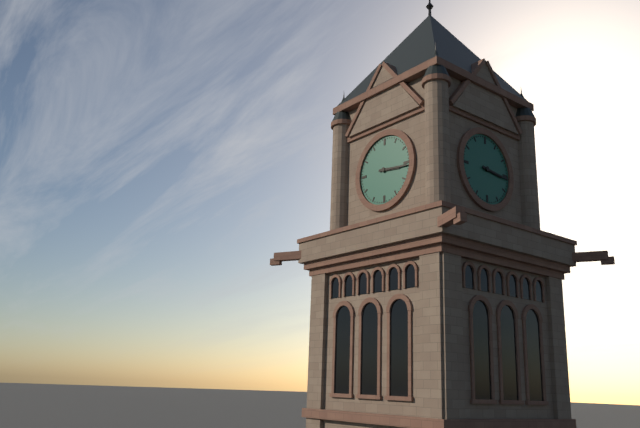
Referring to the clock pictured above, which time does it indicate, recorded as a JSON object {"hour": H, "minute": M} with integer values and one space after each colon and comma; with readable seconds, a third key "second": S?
{"hour": 3, "minute": 16}
